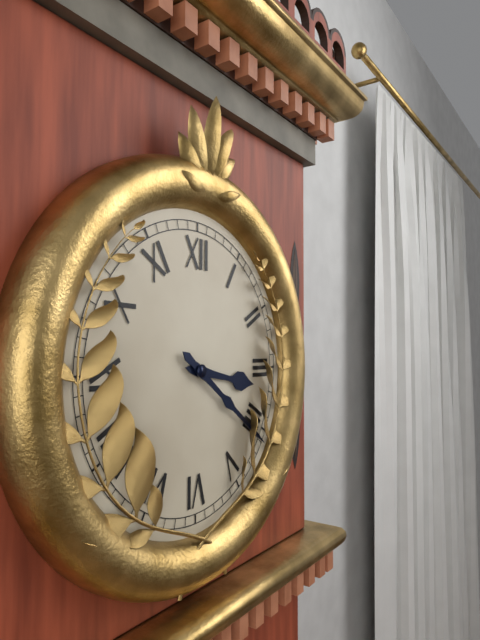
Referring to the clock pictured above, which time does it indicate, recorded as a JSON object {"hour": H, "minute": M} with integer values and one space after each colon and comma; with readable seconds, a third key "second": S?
{"hour": 3, "minute": 21}
